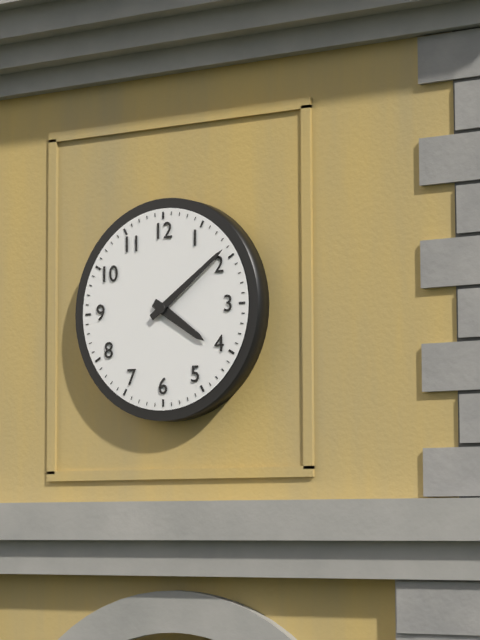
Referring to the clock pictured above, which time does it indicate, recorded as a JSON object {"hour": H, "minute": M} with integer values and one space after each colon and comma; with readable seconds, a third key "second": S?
{"hour": 4, "minute": 9}
